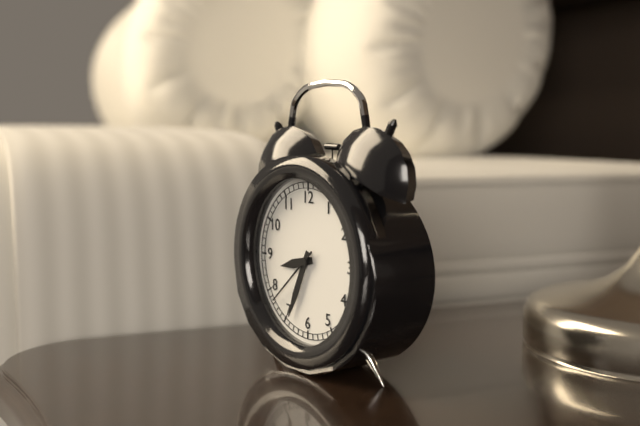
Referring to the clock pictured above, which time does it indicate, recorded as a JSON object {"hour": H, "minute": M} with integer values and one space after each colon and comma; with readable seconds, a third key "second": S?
{"hour": 8, "minute": 34, "second": 38}
